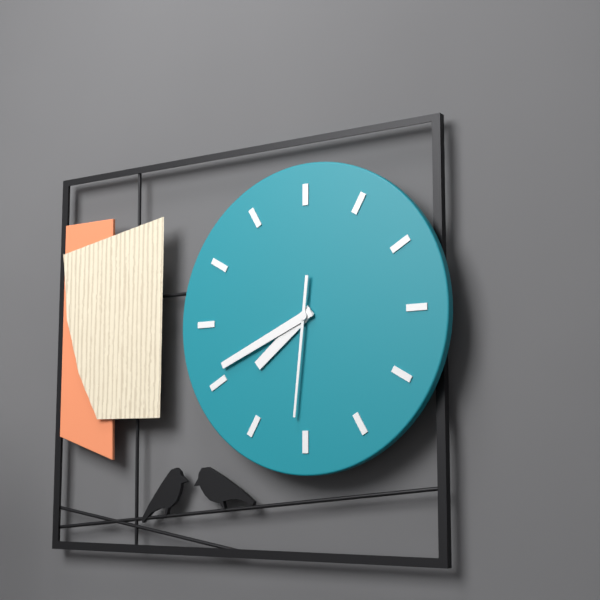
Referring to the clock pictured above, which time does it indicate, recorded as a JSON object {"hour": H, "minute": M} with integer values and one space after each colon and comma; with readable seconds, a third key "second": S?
{"hour": 7, "minute": 41, "second": 31}
